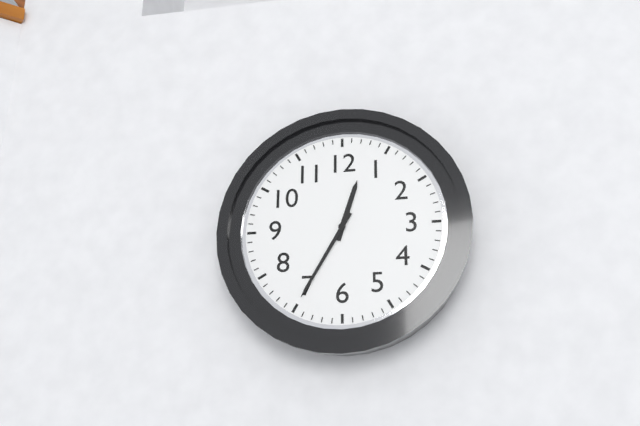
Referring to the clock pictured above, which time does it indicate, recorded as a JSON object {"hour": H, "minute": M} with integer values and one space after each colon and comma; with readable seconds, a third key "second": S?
{"hour": 12, "minute": 35}
